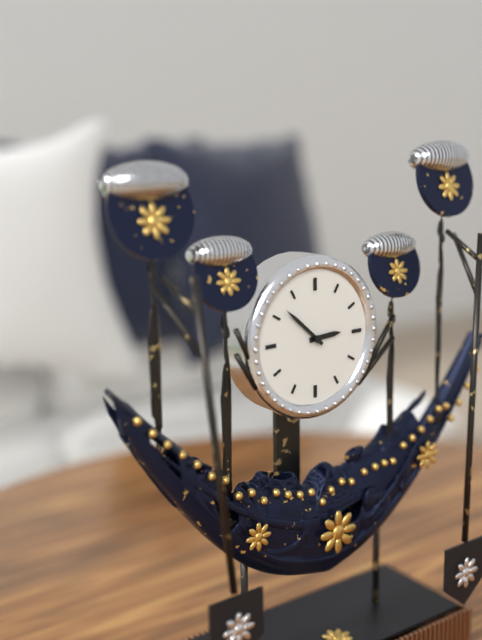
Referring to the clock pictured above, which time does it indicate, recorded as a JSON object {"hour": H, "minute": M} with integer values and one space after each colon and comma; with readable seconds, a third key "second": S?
{"hour": 2, "minute": 52}
